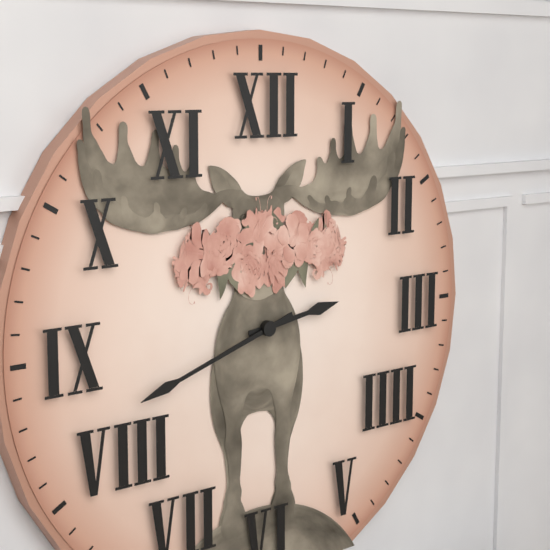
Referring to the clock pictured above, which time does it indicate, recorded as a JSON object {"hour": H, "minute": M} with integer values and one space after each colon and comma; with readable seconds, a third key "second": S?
{"hour": 2, "minute": 42}
